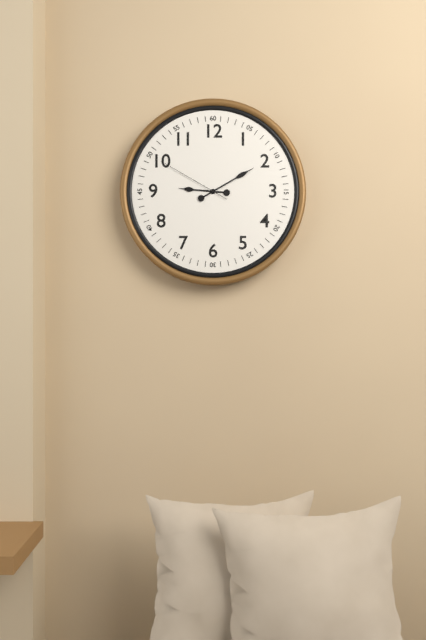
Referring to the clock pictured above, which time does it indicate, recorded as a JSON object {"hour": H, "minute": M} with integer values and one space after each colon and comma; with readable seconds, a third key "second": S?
{"hour": 9, "minute": 10, "second": 50}
